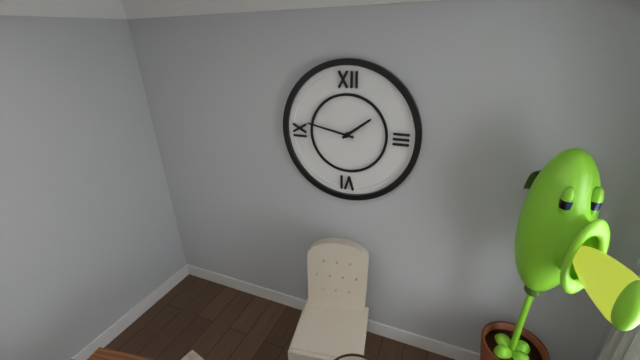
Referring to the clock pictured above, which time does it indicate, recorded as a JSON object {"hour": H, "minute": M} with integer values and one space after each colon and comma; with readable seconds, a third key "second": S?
{"hour": 1, "minute": 47}
